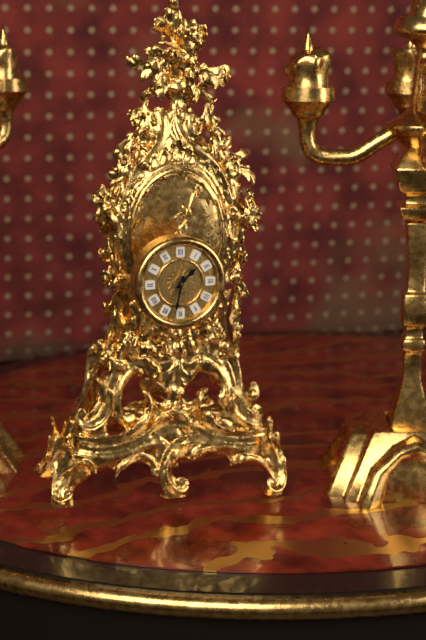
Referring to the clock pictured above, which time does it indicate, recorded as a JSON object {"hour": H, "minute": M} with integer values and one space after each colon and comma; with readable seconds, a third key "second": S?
{"hour": 1, "minute": 32}
